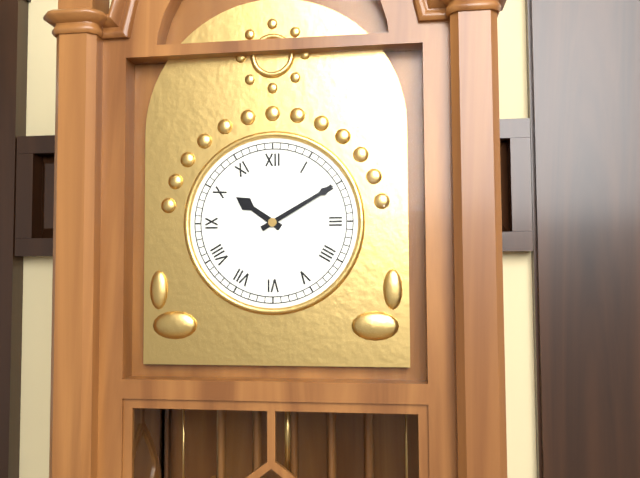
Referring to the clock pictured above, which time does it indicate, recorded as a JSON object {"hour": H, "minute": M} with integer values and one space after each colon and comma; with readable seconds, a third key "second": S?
{"hour": 10, "minute": 10}
